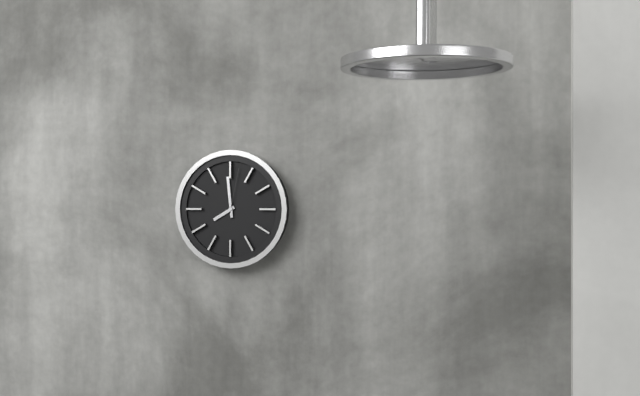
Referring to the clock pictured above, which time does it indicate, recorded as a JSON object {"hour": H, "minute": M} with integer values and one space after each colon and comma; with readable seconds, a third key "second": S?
{"hour": 7, "minute": 59, "second": 2}
